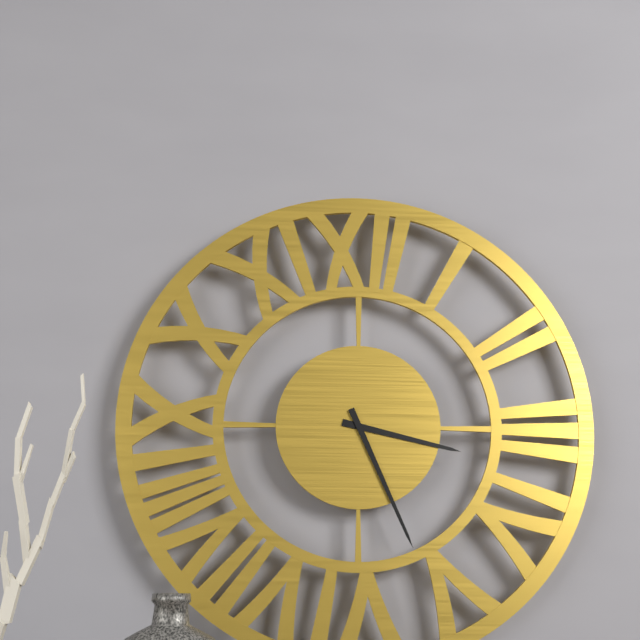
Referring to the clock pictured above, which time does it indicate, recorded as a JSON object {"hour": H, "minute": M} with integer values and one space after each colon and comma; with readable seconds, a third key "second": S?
{"hour": 3, "minute": 26}
